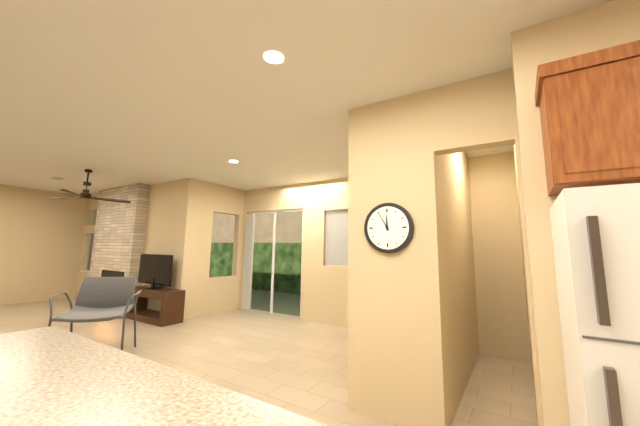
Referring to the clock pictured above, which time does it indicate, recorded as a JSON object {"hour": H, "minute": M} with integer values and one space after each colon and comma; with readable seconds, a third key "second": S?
{"hour": 11, "minute": 55}
